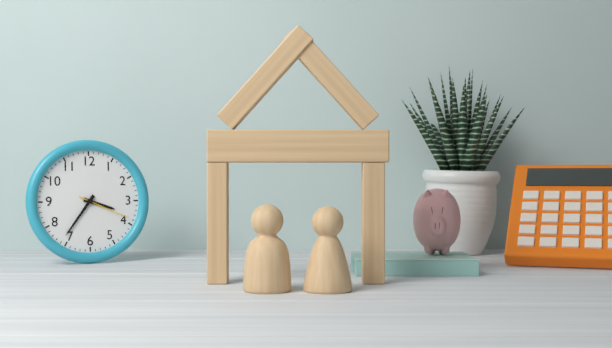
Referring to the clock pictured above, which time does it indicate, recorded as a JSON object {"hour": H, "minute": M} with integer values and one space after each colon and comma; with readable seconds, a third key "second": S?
{"hour": 3, "minute": 36, "second": 19}
